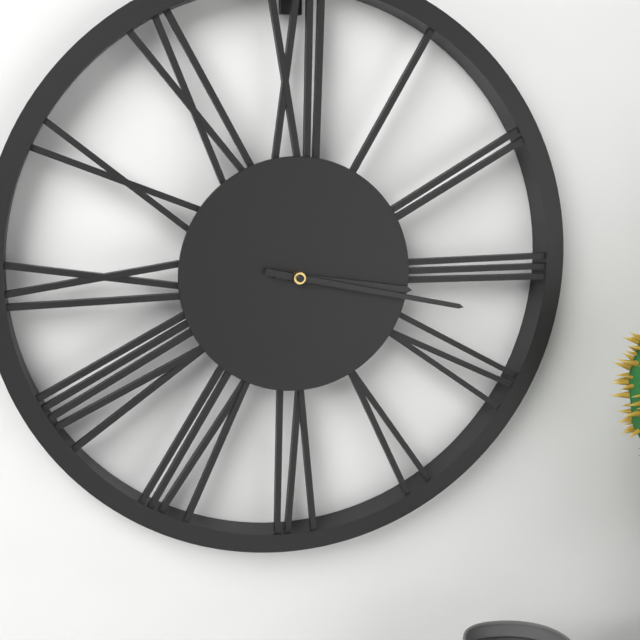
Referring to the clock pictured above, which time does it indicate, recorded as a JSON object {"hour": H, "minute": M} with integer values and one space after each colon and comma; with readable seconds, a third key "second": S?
{"hour": 3, "minute": 17}
